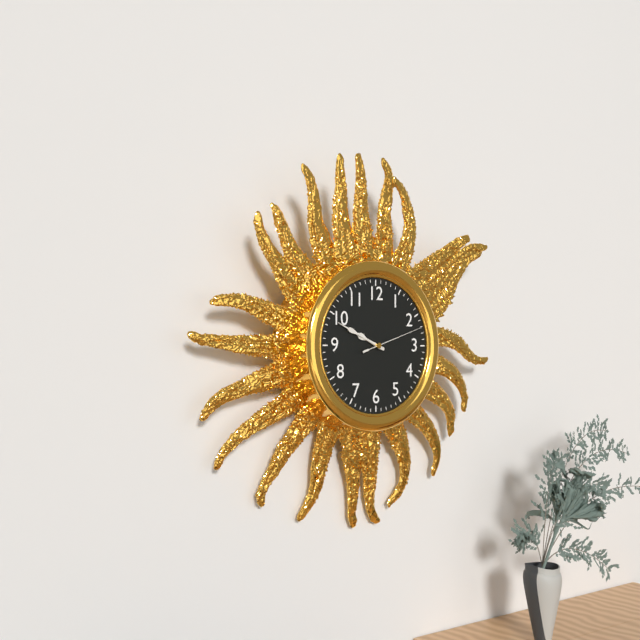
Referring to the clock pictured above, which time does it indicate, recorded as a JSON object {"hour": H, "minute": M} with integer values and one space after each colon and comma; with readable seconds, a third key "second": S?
{"hour": 9, "minute": 49, "second": 12}
